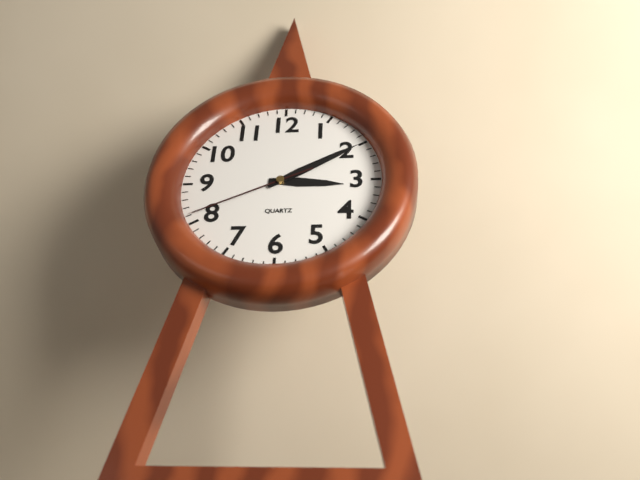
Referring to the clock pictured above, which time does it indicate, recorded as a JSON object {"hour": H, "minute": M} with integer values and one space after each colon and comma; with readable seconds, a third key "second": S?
{"hour": 3, "minute": 10, "second": 41}
